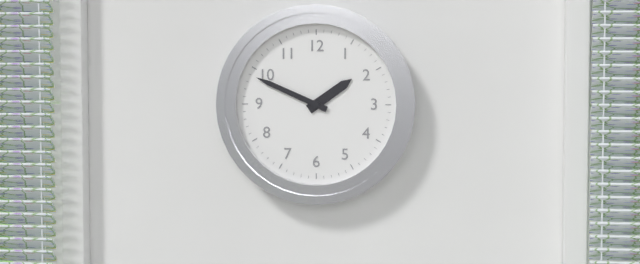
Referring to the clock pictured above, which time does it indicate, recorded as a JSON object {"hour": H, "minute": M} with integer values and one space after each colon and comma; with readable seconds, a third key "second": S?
{"hour": 1, "minute": 49}
